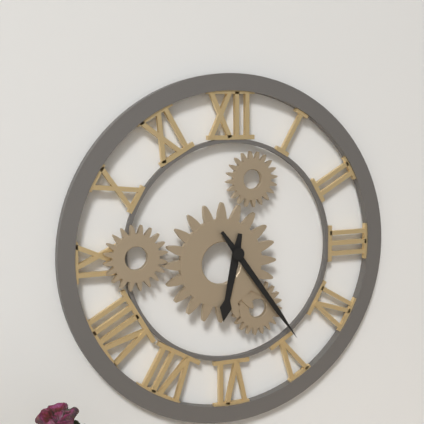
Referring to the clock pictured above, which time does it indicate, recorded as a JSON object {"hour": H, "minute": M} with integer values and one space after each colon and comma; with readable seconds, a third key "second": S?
{"hour": 6, "minute": 24}
